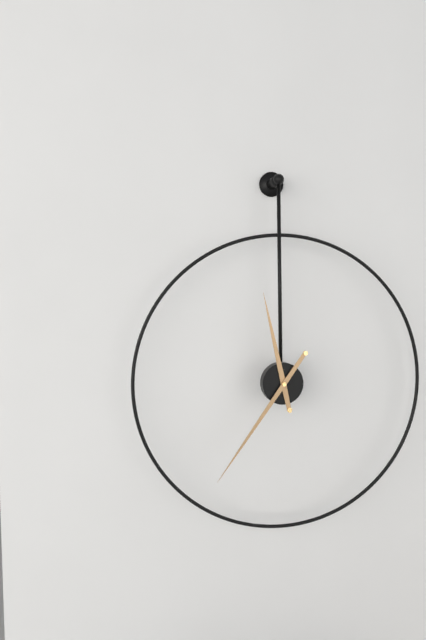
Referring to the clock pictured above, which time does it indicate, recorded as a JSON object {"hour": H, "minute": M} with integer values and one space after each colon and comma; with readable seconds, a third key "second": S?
{"hour": 11, "minute": 36}
